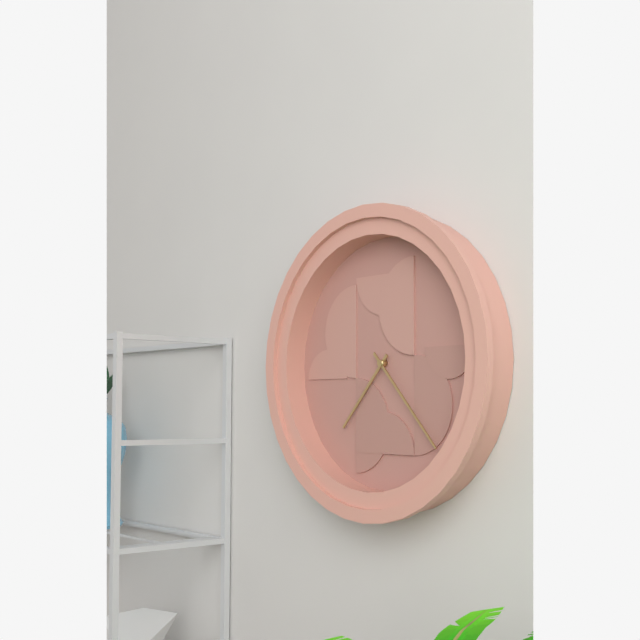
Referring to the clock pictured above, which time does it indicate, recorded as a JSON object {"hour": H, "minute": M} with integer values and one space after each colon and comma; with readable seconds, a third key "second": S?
{"hour": 7, "minute": 23}
